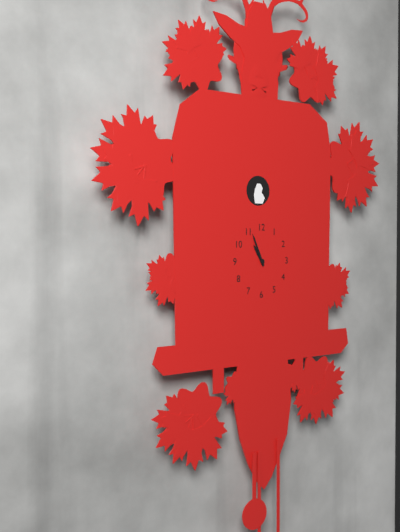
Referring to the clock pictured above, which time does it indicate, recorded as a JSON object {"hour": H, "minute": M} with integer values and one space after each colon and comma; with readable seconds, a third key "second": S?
{"hour": 10, "minute": 56}
